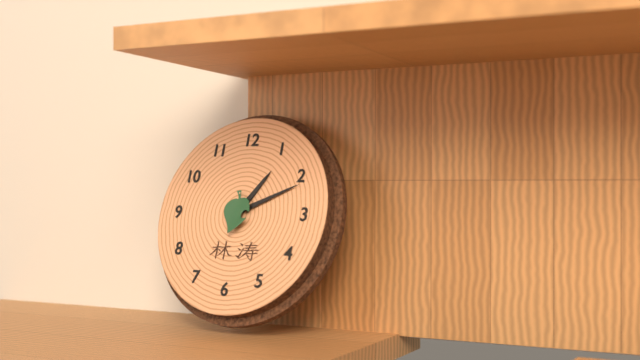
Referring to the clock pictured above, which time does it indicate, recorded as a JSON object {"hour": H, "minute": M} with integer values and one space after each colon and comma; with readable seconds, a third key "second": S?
{"hour": 1, "minute": 11}
